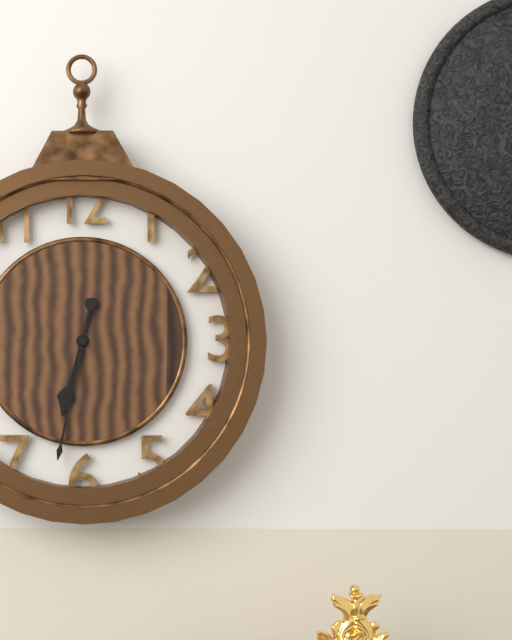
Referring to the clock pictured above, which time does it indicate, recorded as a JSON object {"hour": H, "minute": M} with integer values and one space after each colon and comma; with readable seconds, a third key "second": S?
{"hour": 6, "minute": 32}
